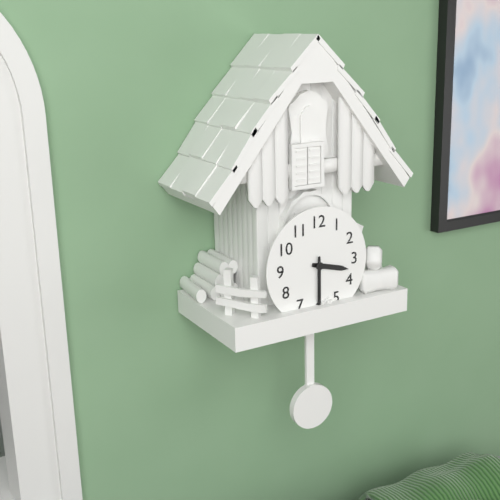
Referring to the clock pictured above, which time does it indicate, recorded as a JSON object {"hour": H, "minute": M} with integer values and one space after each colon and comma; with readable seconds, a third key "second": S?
{"hour": 3, "minute": 30}
